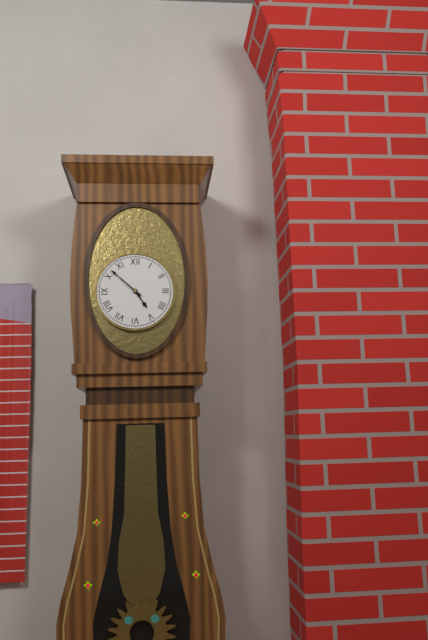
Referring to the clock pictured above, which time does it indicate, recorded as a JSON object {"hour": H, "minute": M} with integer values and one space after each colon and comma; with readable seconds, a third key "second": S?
{"hour": 4, "minute": 52}
